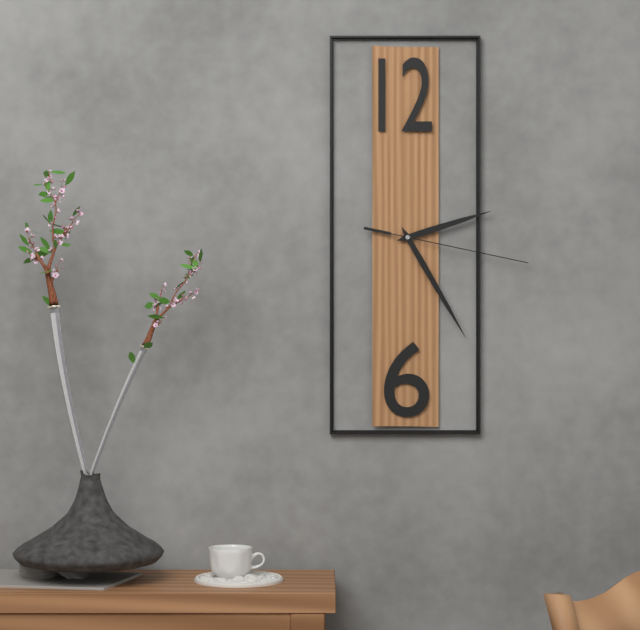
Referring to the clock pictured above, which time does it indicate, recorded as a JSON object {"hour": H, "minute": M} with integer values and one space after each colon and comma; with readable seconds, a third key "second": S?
{"hour": 2, "minute": 25, "second": 17}
